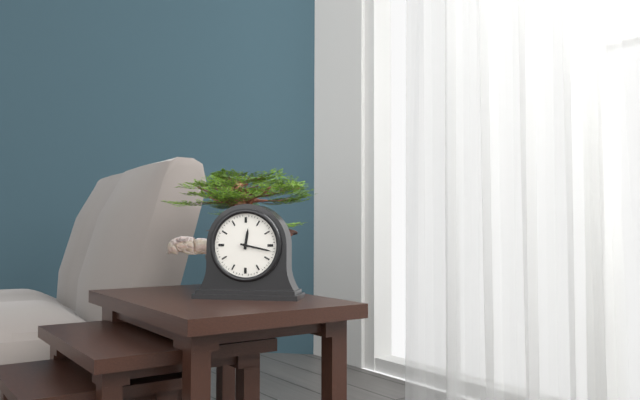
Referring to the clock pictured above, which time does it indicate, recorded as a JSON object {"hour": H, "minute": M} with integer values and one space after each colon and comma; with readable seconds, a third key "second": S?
{"hour": 12, "minute": 17}
